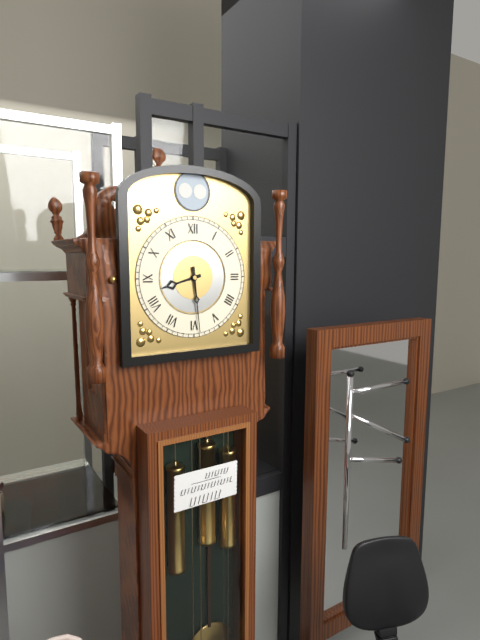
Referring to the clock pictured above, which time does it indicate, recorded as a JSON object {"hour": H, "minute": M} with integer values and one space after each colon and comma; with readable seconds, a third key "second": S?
{"hour": 8, "minute": 29}
